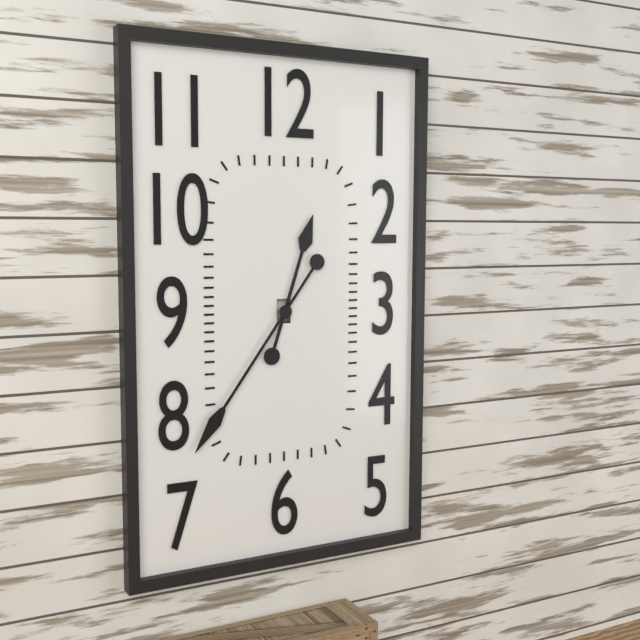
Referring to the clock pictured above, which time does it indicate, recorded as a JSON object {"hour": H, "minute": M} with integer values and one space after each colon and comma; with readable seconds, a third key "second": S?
{"hour": 12, "minute": 36}
